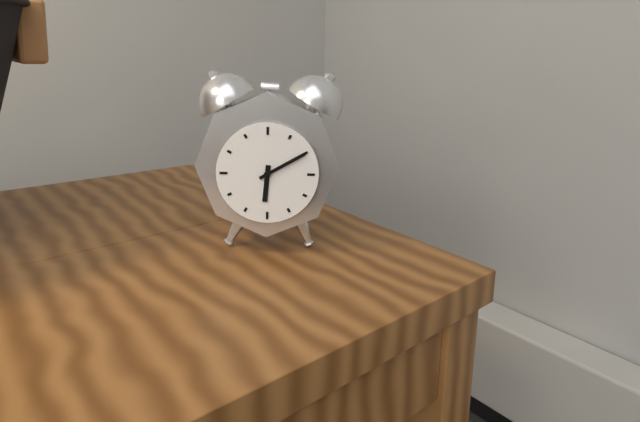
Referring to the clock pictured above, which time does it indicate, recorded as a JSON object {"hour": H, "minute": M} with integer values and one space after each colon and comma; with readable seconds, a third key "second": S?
{"hour": 6, "minute": 10}
